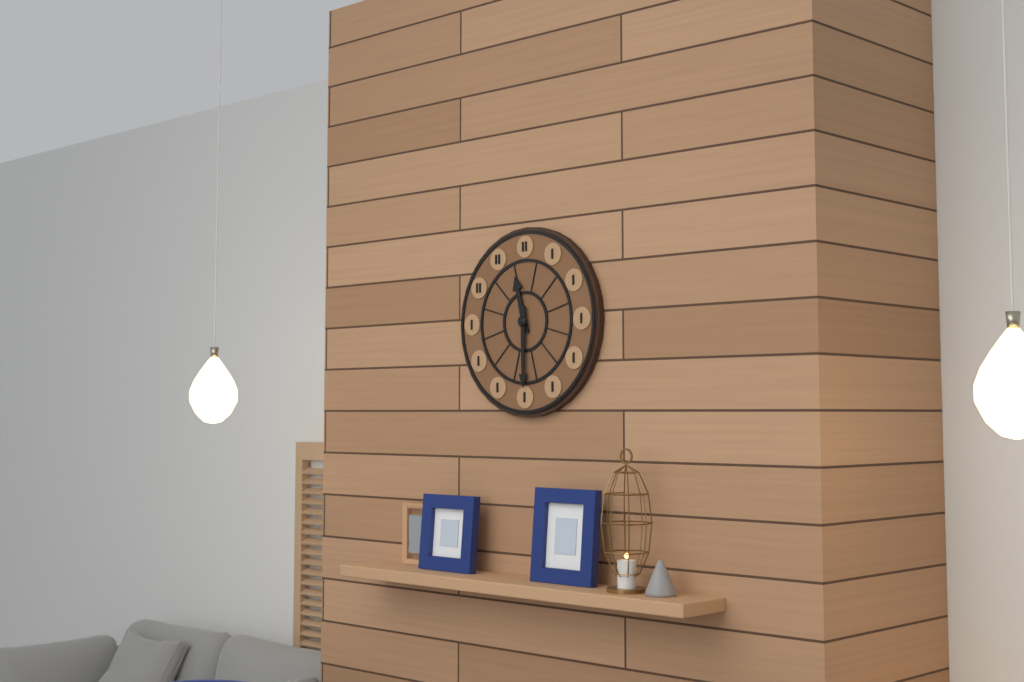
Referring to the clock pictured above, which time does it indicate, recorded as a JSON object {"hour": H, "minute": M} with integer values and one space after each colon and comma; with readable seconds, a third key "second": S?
{"hour": 11, "minute": 30}
